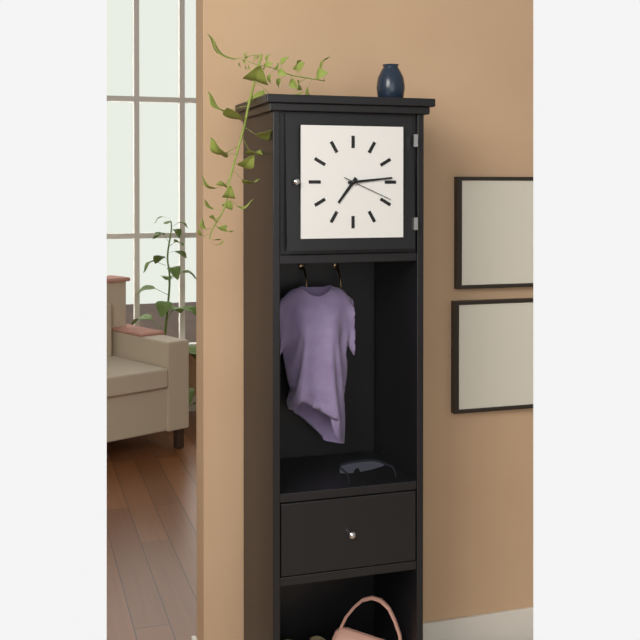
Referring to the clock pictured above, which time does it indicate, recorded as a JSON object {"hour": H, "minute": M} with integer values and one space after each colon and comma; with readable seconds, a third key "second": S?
{"hour": 7, "minute": 14, "second": 19}
